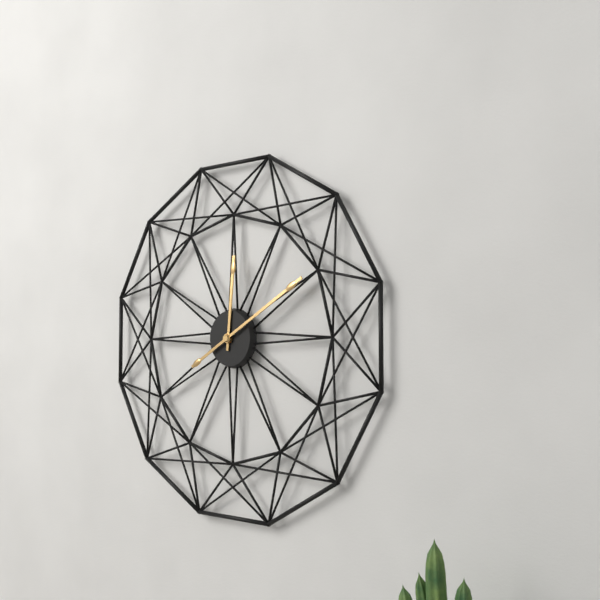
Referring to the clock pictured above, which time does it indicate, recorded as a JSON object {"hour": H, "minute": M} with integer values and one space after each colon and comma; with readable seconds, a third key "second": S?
{"hour": 12, "minute": 10}
